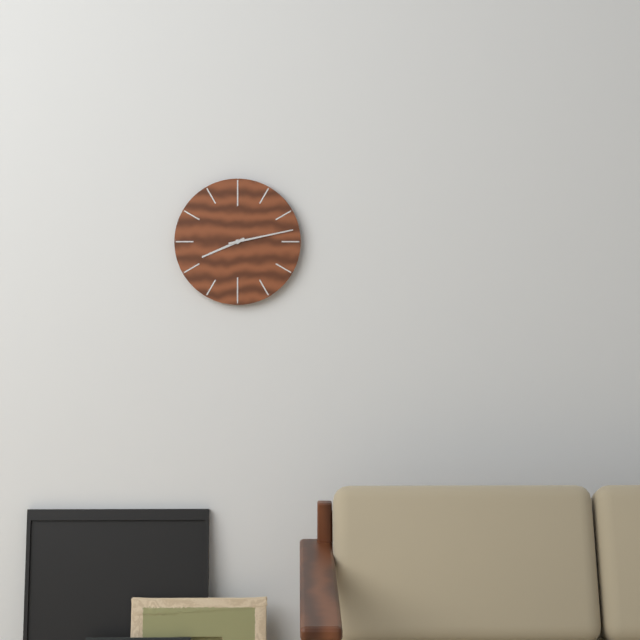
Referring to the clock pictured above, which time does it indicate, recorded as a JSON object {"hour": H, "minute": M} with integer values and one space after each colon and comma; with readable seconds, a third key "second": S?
{"hour": 8, "minute": 13}
